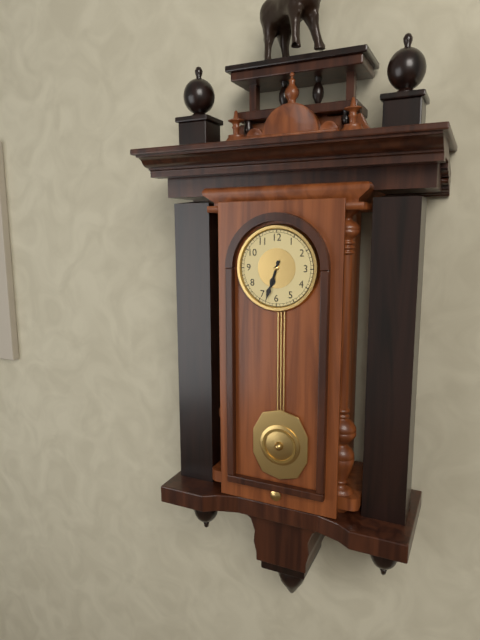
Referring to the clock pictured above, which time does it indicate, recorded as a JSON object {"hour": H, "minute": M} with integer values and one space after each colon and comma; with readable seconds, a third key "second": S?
{"hour": 6, "minute": 33}
